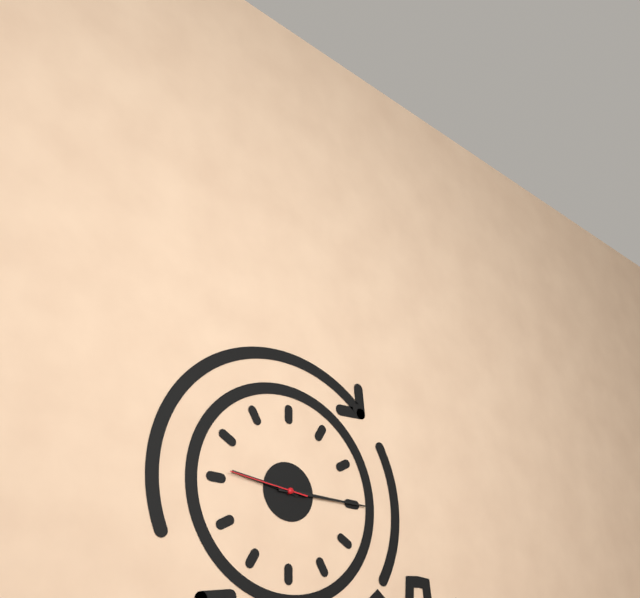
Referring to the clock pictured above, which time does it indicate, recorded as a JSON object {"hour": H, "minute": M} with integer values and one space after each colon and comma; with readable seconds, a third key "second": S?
{"hour": 9, "minute": 15, "second": 46}
